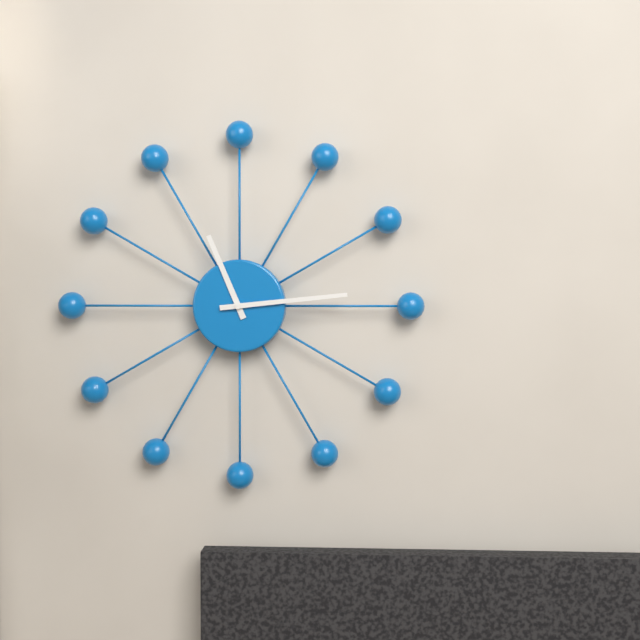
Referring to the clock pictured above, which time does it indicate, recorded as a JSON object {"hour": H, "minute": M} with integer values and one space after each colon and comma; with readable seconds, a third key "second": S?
{"hour": 11, "minute": 14}
